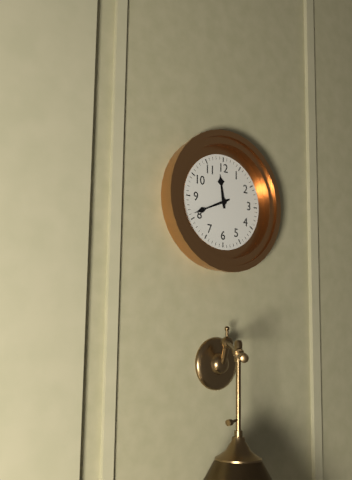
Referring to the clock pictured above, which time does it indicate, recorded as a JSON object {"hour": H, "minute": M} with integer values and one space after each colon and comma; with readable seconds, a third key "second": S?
{"hour": 11, "minute": 41}
